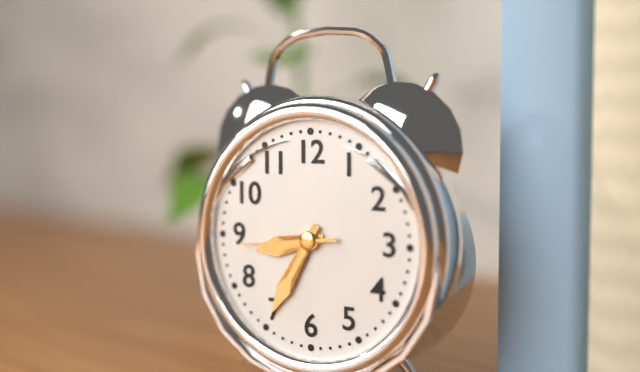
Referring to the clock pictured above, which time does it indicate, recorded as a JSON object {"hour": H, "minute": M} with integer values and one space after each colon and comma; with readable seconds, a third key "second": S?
{"hour": 8, "minute": 35, "second": 44}
